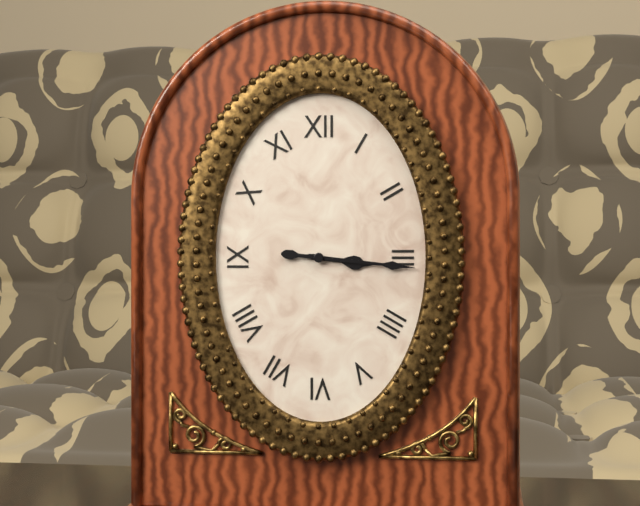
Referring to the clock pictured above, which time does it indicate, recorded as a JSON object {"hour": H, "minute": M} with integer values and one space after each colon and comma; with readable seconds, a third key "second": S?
{"hour": 3, "minute": 16}
